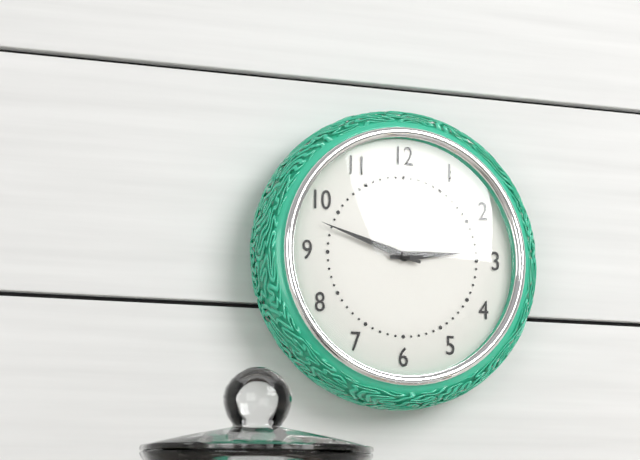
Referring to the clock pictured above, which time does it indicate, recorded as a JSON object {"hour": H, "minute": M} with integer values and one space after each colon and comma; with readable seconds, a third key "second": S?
{"hour": 2, "minute": 48}
